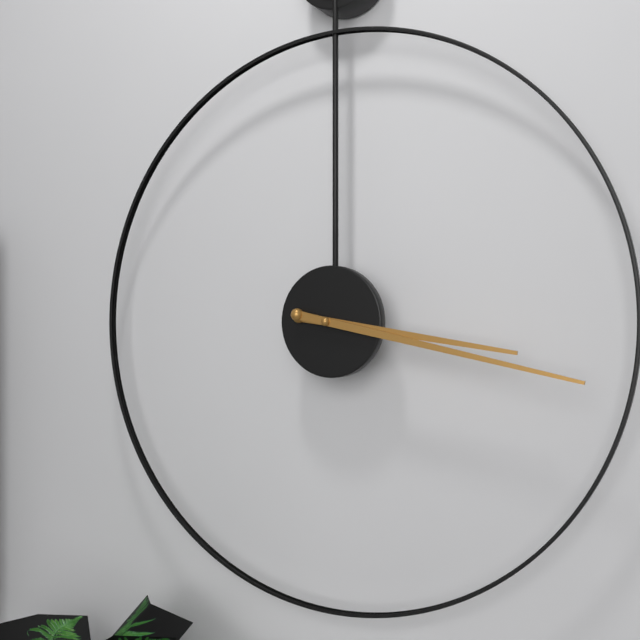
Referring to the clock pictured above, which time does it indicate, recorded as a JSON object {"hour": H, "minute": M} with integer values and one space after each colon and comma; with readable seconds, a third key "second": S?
{"hour": 3, "minute": 17}
